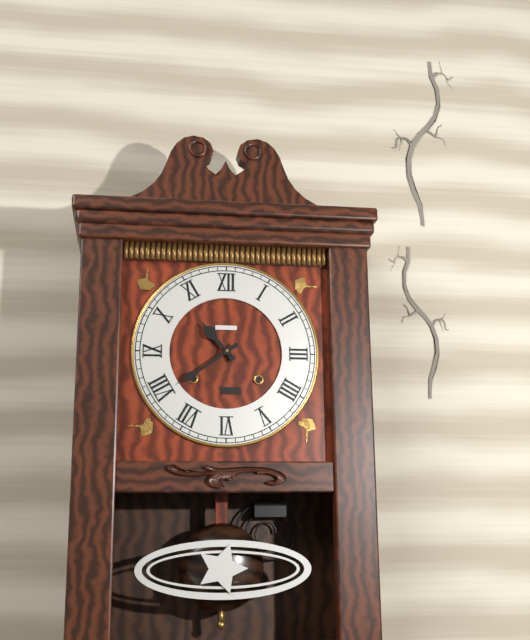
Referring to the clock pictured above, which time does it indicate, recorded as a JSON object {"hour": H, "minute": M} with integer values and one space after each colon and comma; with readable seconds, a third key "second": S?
{"hour": 10, "minute": 39}
